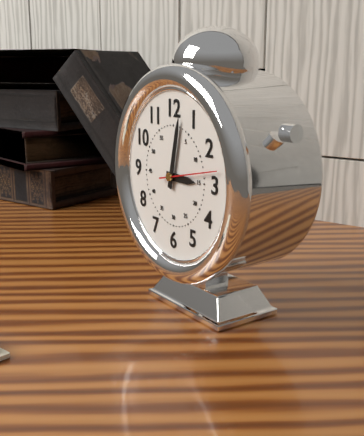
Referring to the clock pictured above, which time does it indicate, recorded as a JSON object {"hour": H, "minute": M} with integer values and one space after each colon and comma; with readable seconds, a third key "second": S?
{"hour": 3, "minute": 2, "second": 13}
